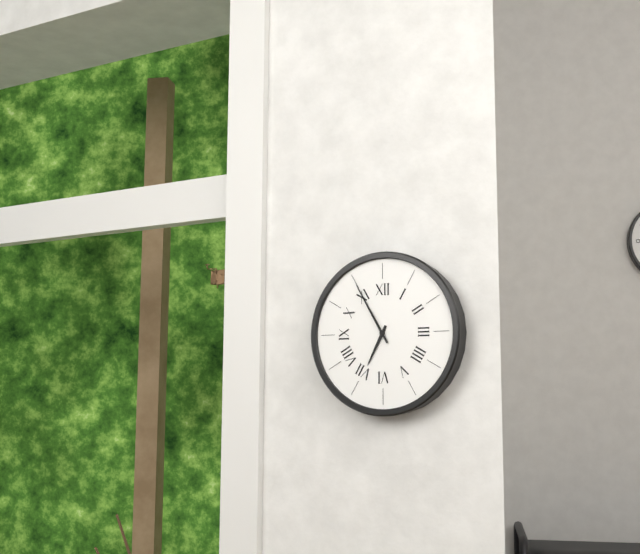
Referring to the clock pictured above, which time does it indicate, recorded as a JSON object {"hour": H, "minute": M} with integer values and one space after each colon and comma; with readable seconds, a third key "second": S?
{"hour": 6, "minute": 55}
